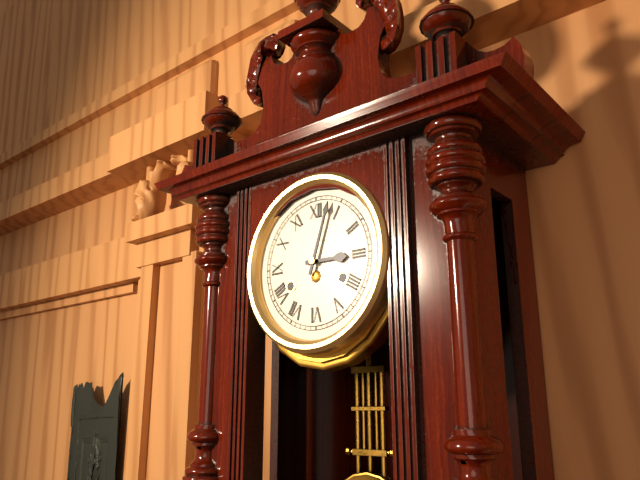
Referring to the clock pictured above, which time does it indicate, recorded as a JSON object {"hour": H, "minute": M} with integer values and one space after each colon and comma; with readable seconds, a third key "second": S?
{"hour": 3, "minute": 3}
